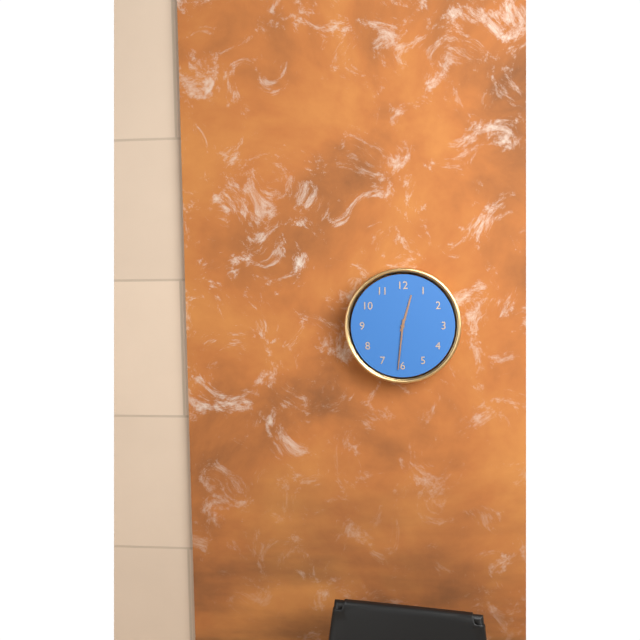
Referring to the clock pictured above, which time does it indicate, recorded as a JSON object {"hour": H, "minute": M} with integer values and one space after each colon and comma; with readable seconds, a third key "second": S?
{"hour": 12, "minute": 31}
